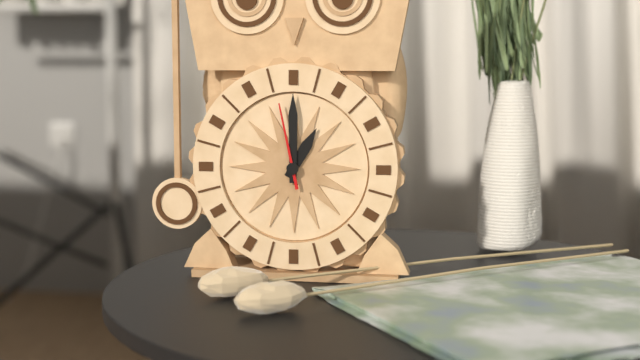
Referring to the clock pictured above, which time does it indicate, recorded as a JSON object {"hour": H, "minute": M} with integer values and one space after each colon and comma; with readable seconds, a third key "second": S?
{"hour": 1, "minute": 0, "second": 58}
